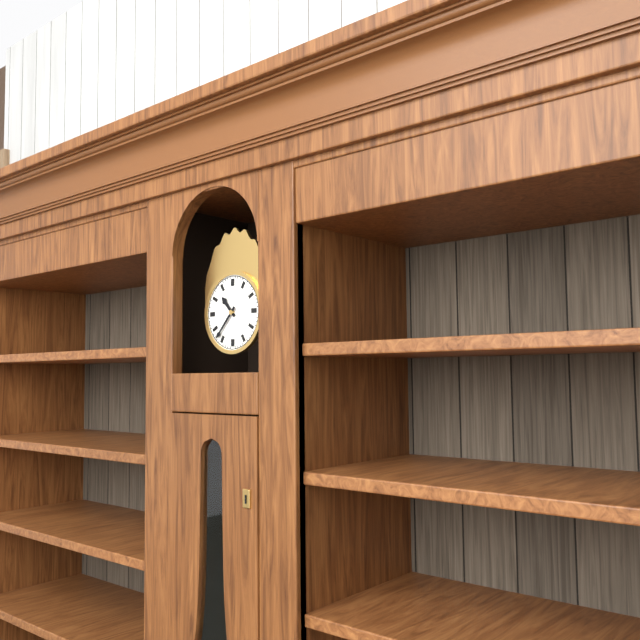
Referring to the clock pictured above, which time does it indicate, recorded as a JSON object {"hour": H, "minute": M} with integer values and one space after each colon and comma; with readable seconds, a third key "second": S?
{"hour": 10, "minute": 37}
